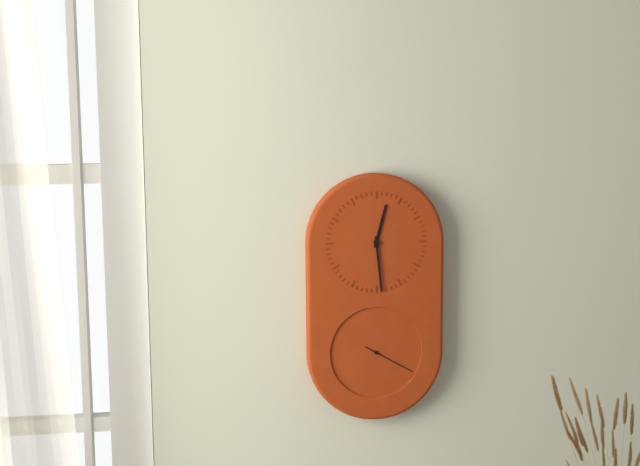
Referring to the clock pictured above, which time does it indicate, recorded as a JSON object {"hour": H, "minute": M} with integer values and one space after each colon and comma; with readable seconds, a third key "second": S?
{"hour": 12, "minute": 29, "second": 20}
